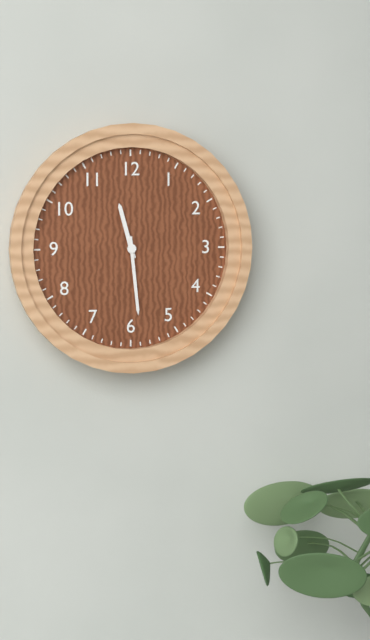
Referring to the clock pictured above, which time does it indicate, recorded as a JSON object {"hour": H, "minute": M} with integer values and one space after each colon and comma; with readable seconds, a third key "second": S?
{"hour": 11, "minute": 29}
